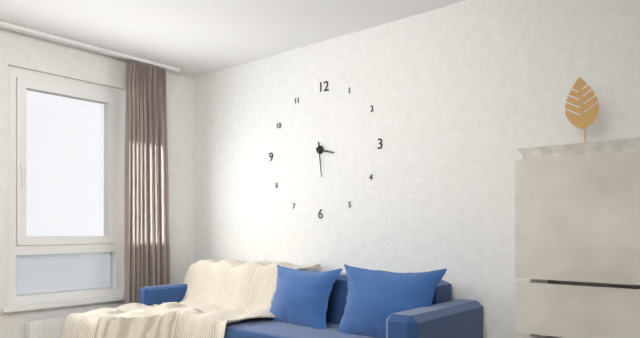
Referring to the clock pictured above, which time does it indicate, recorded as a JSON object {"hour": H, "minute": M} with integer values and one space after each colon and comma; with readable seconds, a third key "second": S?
{"hour": 3, "minute": 29}
